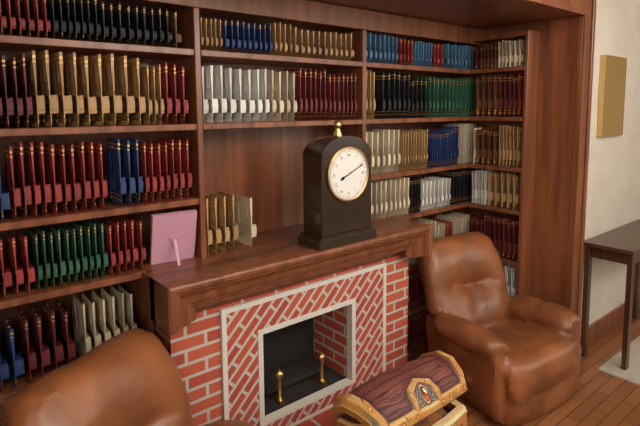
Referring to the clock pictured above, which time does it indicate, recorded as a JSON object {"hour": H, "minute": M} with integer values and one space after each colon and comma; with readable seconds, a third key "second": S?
{"hour": 8, "minute": 11}
